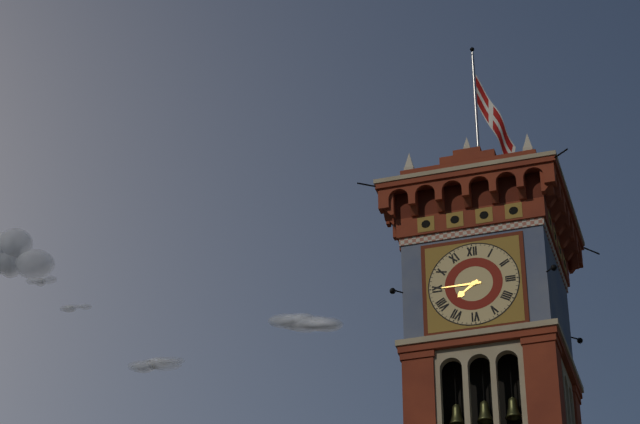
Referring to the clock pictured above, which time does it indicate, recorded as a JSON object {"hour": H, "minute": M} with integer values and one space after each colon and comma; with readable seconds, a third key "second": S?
{"hour": 7, "minute": 45}
